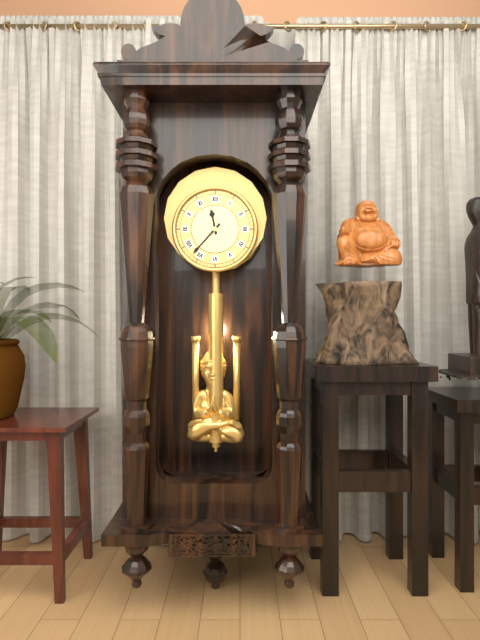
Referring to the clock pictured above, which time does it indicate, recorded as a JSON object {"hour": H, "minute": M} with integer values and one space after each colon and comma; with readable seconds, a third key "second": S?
{"hour": 11, "minute": 37}
